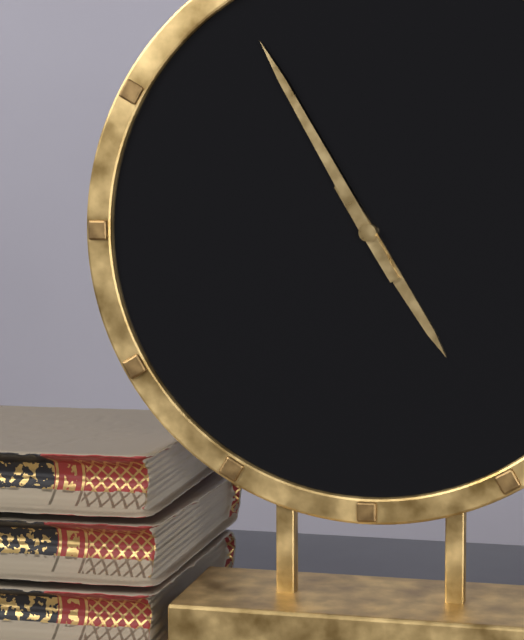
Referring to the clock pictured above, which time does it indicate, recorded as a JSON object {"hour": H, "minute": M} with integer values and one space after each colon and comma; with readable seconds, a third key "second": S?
{"hour": 4, "minute": 55}
